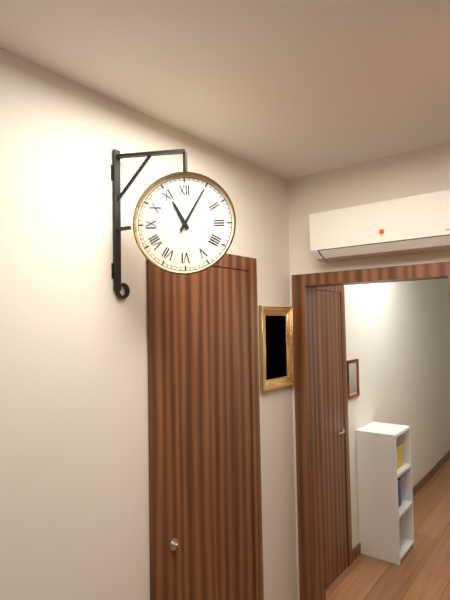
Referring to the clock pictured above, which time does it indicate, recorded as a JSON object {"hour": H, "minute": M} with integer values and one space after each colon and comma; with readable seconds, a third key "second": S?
{"hour": 11, "minute": 5}
